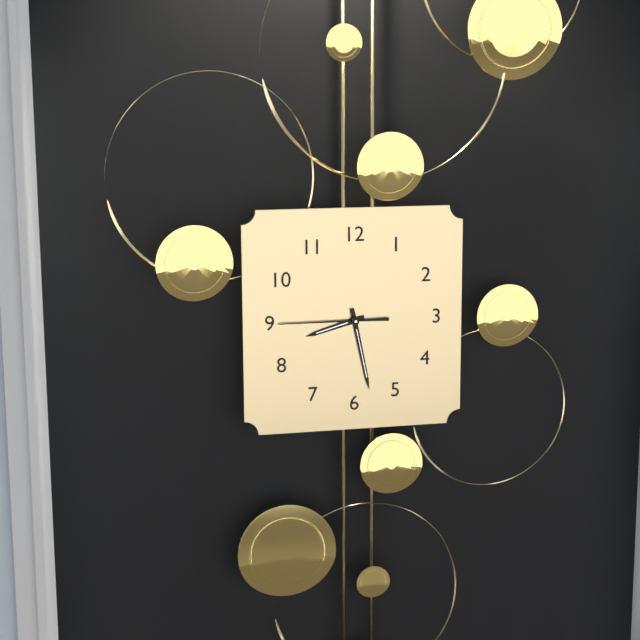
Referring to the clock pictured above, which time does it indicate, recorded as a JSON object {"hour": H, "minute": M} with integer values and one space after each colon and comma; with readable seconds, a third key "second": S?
{"hour": 8, "minute": 28, "second": 45}
